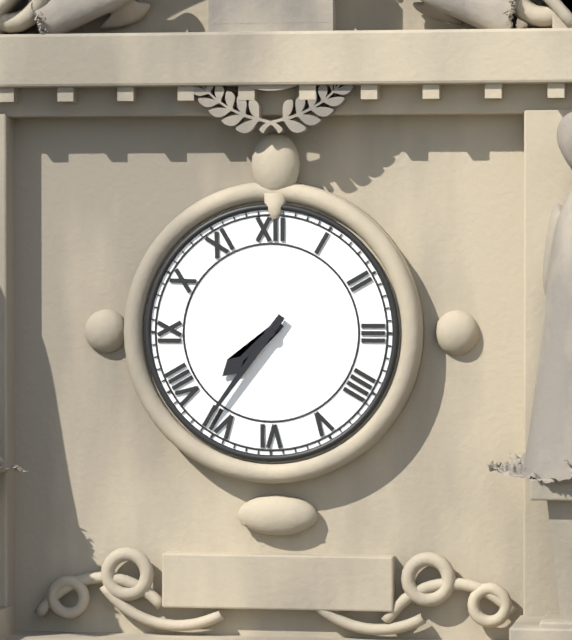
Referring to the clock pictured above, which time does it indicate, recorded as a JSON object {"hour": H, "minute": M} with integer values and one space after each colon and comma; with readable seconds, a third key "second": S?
{"hour": 7, "minute": 36}
